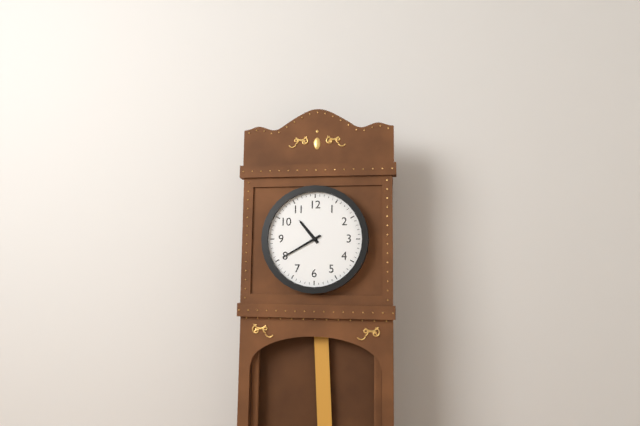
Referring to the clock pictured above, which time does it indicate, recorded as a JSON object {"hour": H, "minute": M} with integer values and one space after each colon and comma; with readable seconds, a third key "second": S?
{"hour": 10, "minute": 40}
